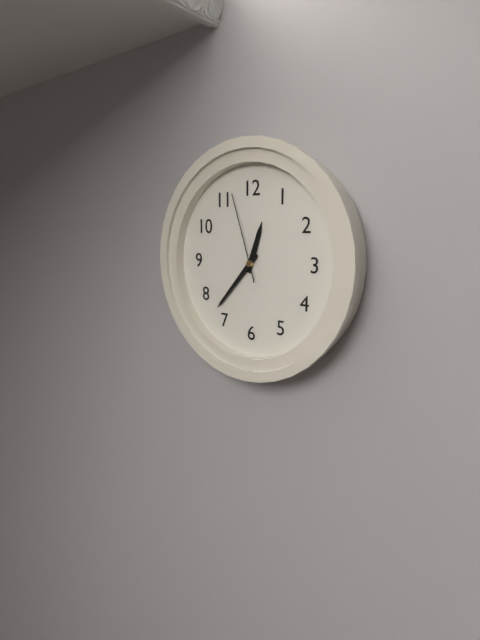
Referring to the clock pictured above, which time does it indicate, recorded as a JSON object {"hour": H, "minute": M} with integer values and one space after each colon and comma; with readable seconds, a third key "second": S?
{"hour": 12, "minute": 37, "second": 57}
